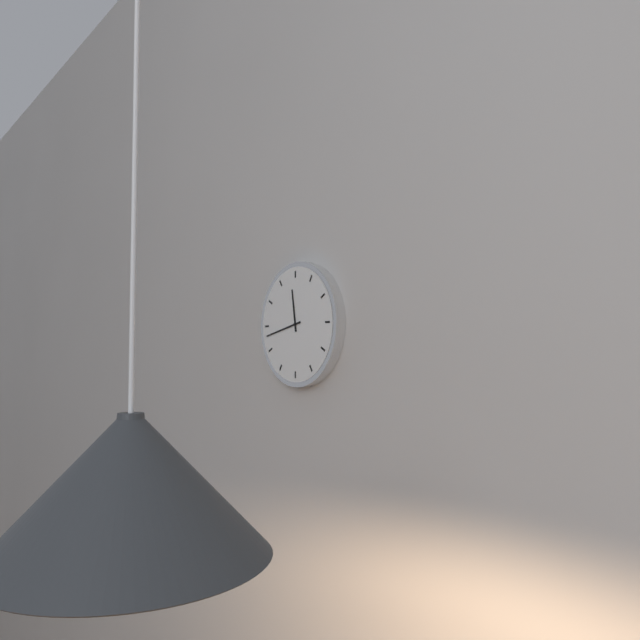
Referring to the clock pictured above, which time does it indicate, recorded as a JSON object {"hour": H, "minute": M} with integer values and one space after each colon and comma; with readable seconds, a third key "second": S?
{"hour": 11, "minute": 43}
